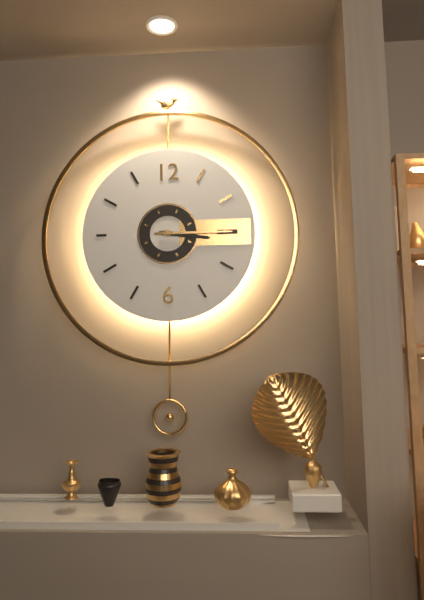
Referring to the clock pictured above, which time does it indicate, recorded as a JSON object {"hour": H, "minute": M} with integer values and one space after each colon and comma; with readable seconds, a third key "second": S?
{"hour": 3, "minute": 15}
